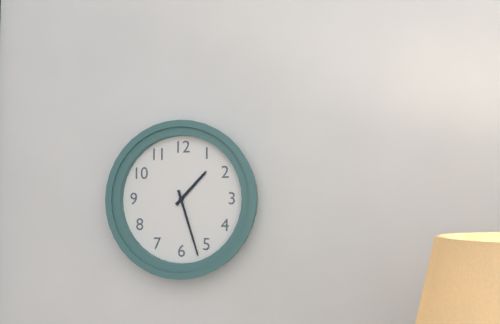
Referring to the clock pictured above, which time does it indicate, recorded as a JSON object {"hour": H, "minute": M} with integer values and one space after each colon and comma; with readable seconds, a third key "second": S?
{"hour": 1, "minute": 27}
